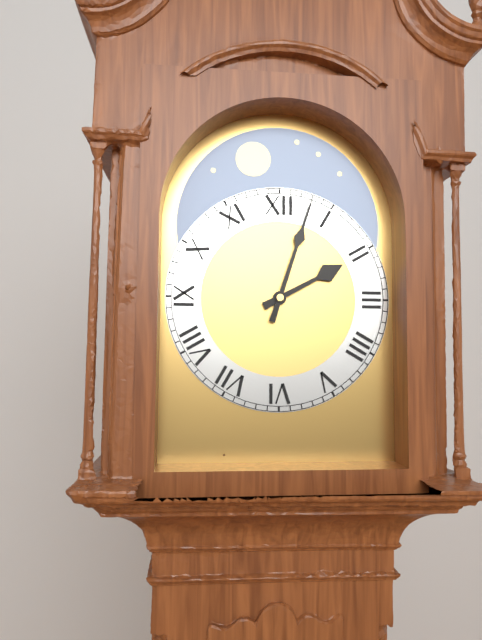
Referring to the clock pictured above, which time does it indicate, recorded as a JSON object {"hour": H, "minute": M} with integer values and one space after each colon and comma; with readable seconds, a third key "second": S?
{"hour": 2, "minute": 3}
